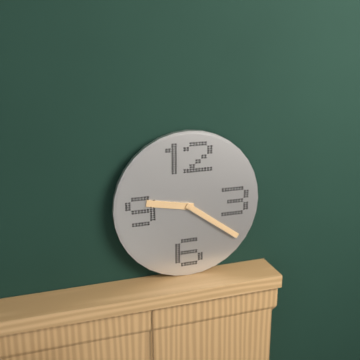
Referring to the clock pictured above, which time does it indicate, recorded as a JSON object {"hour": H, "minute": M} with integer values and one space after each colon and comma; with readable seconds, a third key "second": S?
{"hour": 9, "minute": 21}
